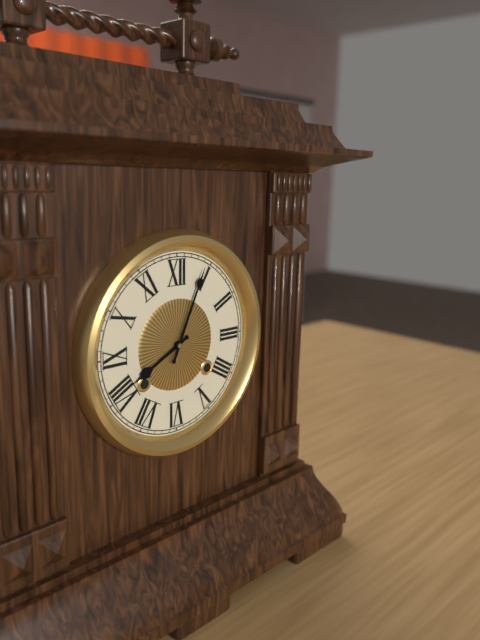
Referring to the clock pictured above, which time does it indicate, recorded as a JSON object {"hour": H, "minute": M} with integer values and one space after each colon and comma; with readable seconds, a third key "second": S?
{"hour": 8, "minute": 4}
